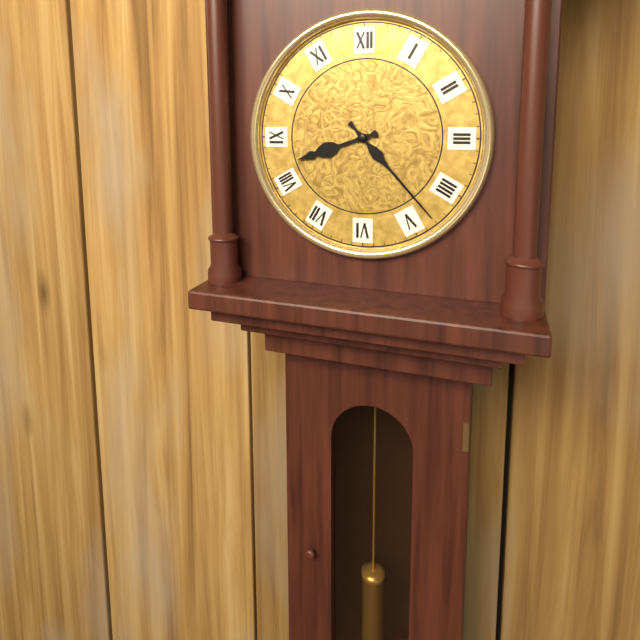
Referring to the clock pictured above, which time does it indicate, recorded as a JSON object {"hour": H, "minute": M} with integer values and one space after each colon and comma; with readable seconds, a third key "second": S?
{"hour": 8, "minute": 23}
